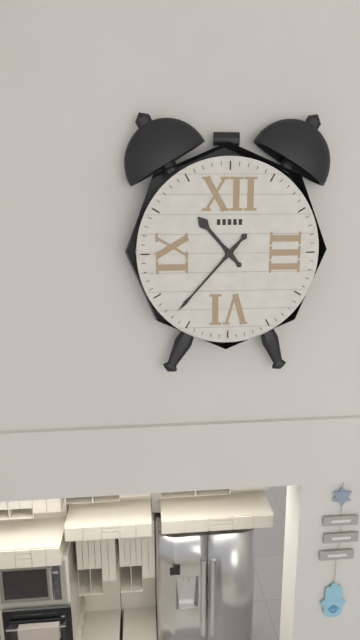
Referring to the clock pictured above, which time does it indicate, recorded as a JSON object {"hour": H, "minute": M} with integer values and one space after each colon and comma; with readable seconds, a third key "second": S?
{"hour": 10, "minute": 37}
